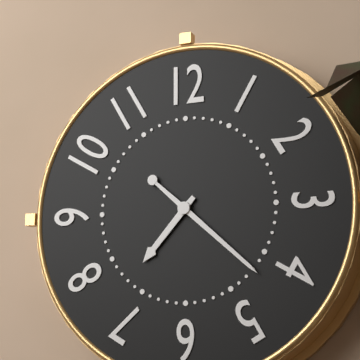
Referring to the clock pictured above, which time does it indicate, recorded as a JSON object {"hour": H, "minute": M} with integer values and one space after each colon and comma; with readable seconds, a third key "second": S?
{"hour": 7, "minute": 22}
